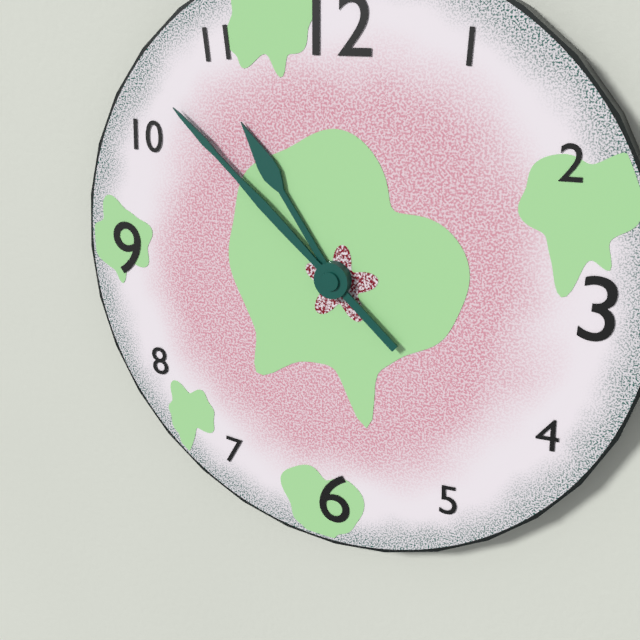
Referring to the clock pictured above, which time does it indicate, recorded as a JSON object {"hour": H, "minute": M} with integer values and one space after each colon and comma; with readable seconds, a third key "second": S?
{"hour": 10, "minute": 52}
